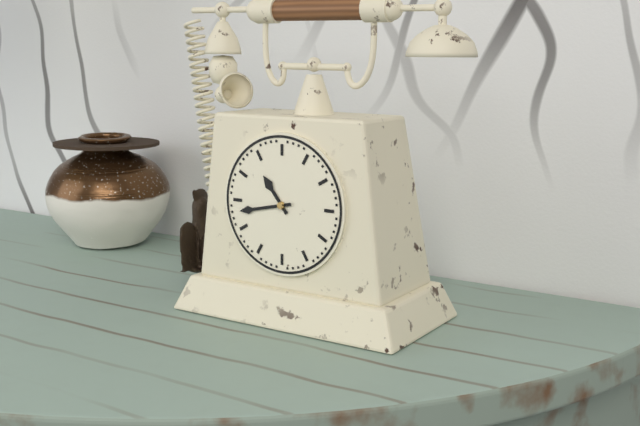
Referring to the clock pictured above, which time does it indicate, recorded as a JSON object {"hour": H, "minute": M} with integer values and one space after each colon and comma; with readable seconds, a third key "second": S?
{"hour": 10, "minute": 43}
